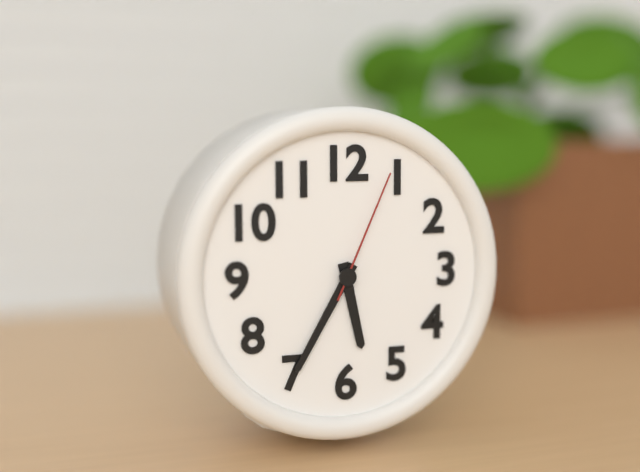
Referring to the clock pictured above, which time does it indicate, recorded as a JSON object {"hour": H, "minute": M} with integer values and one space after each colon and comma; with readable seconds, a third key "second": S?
{"hour": 5, "minute": 35, "second": 4}
